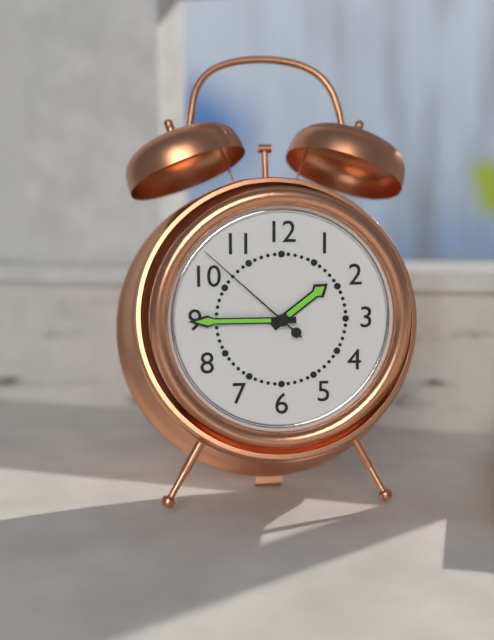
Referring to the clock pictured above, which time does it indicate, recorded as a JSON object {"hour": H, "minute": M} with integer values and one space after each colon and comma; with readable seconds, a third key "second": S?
{"hour": 1, "minute": 45, "second": 52}
